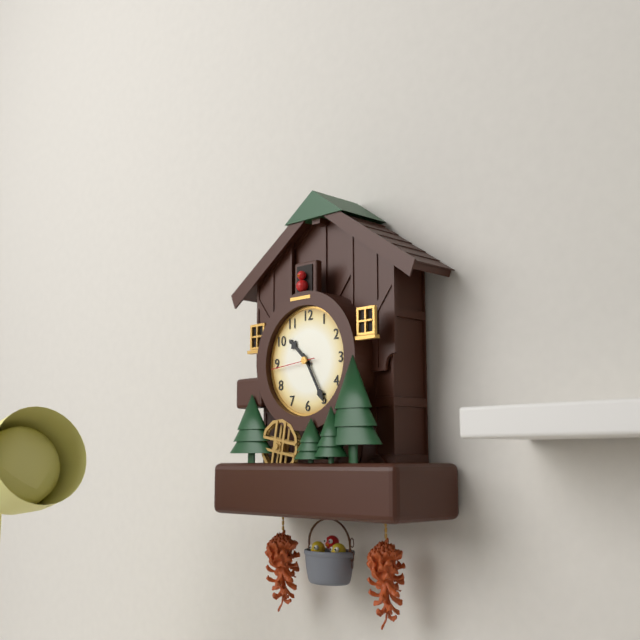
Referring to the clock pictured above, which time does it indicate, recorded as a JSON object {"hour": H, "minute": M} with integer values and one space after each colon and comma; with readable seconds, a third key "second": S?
{"hour": 10, "minute": 25}
